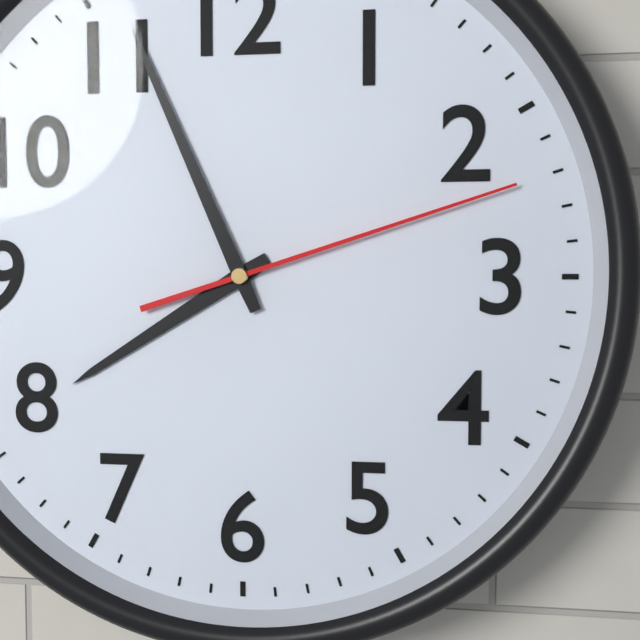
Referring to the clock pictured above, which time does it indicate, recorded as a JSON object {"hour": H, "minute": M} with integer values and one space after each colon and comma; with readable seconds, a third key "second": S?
{"hour": 7, "minute": 56, "second": 12}
